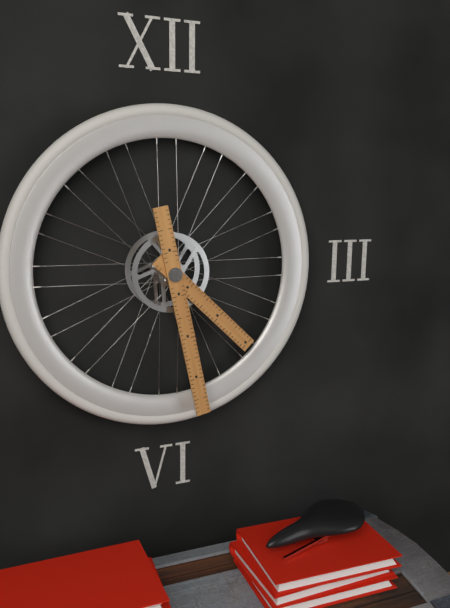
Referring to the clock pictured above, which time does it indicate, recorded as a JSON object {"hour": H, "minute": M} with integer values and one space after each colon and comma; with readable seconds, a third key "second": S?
{"hour": 4, "minute": 28}
